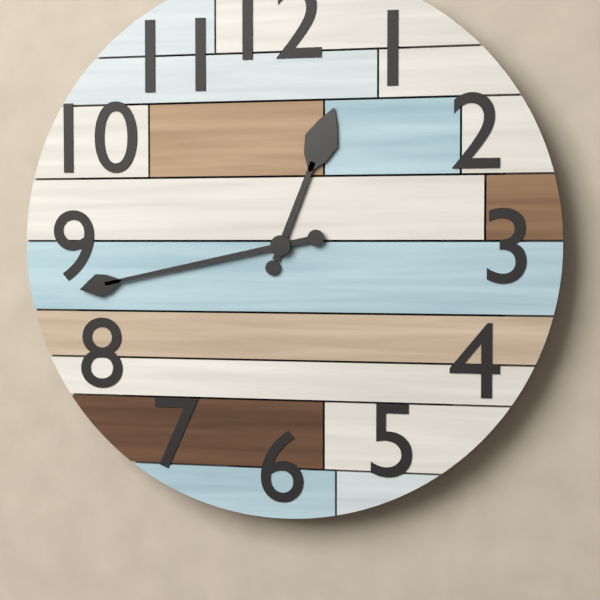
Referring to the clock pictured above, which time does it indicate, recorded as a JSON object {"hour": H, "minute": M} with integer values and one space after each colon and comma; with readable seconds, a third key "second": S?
{"hour": 12, "minute": 43}
